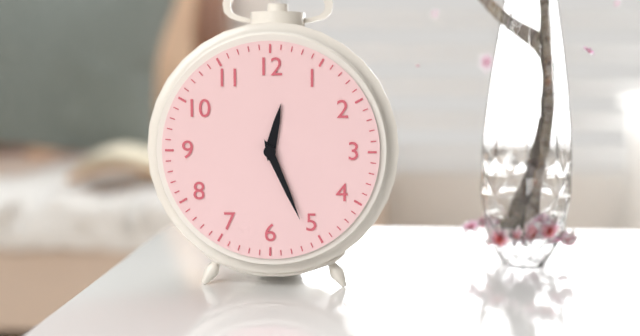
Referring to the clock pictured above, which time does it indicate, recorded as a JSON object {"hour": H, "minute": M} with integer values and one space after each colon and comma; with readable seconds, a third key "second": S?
{"hour": 12, "minute": 26}
